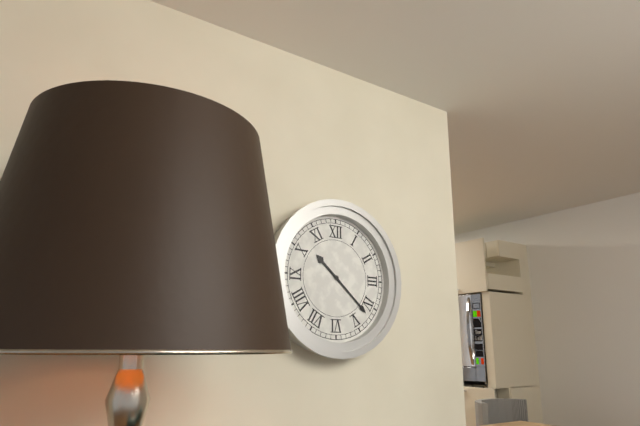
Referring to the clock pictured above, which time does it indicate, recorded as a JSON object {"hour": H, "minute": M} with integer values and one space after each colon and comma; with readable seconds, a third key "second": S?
{"hour": 10, "minute": 22}
